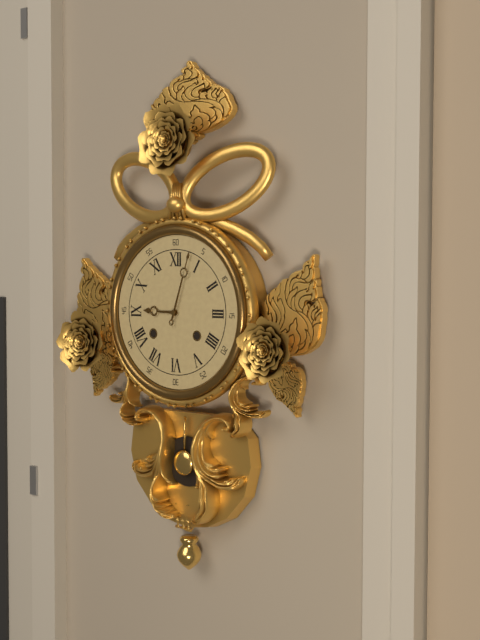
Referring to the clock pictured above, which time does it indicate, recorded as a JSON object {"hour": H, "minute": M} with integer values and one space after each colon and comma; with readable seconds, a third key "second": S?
{"hour": 9, "minute": 3}
